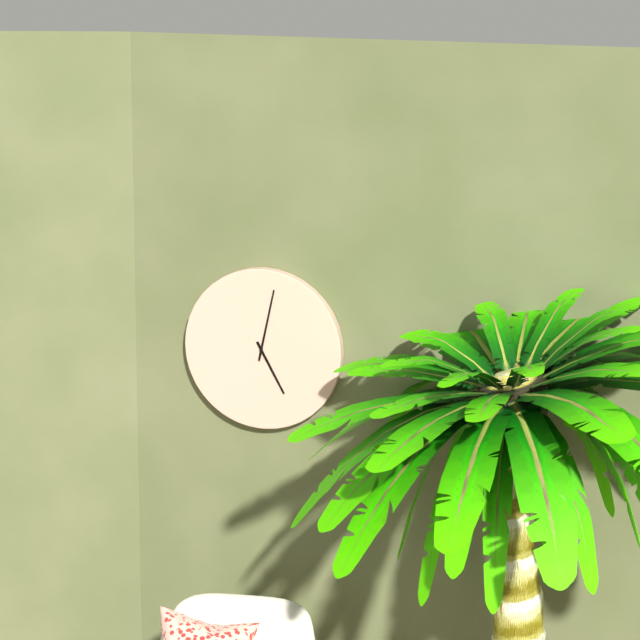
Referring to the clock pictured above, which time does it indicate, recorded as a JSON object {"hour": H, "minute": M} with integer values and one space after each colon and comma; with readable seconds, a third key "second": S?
{"hour": 5, "minute": 2}
